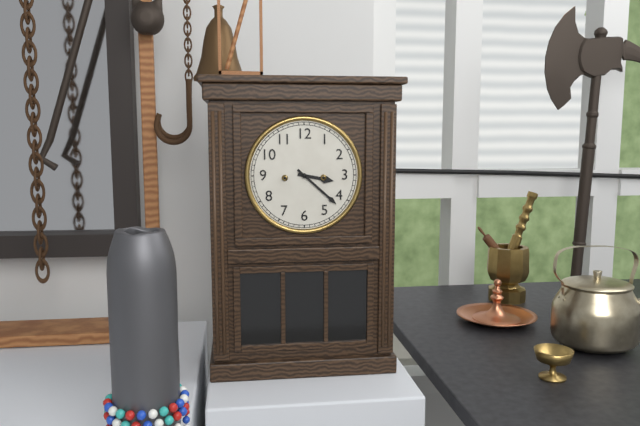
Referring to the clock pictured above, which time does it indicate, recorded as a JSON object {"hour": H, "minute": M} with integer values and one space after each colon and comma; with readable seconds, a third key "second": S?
{"hour": 3, "minute": 22}
